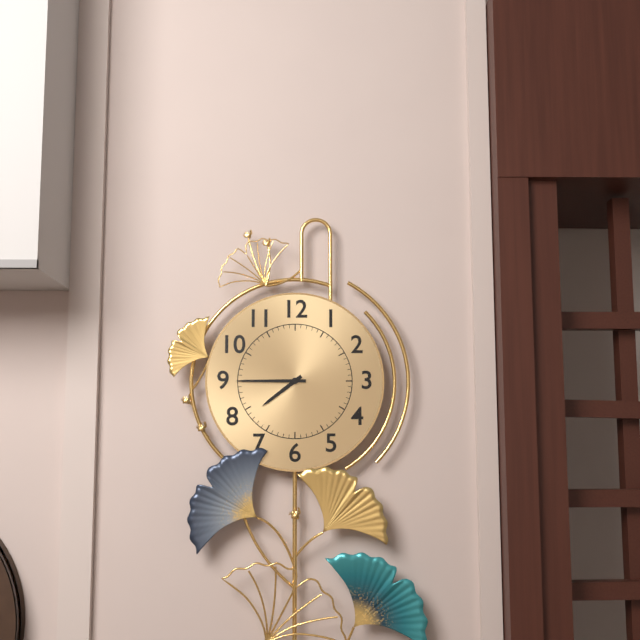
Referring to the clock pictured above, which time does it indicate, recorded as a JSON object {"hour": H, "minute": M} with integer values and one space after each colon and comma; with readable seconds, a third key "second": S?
{"hour": 7, "minute": 45}
